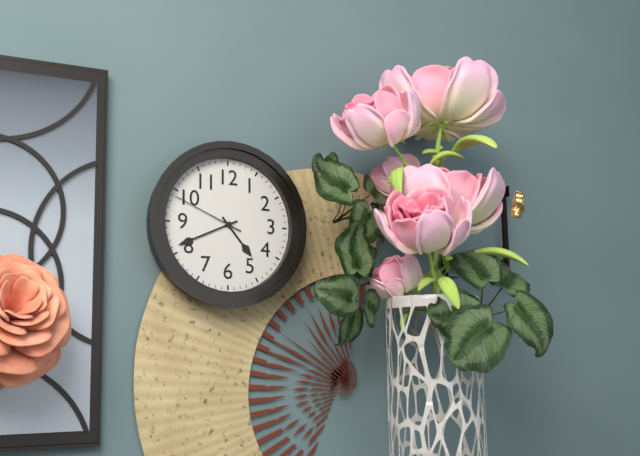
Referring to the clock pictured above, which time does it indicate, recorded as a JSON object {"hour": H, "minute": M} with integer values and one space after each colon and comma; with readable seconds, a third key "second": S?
{"hour": 4, "minute": 41, "second": 49}
